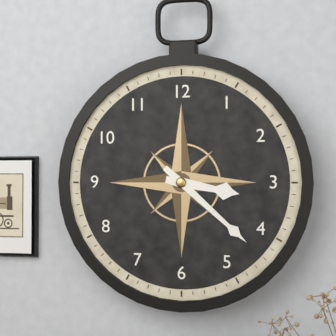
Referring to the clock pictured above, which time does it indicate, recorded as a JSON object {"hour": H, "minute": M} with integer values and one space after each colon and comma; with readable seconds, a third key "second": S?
{"hour": 3, "minute": 22}
